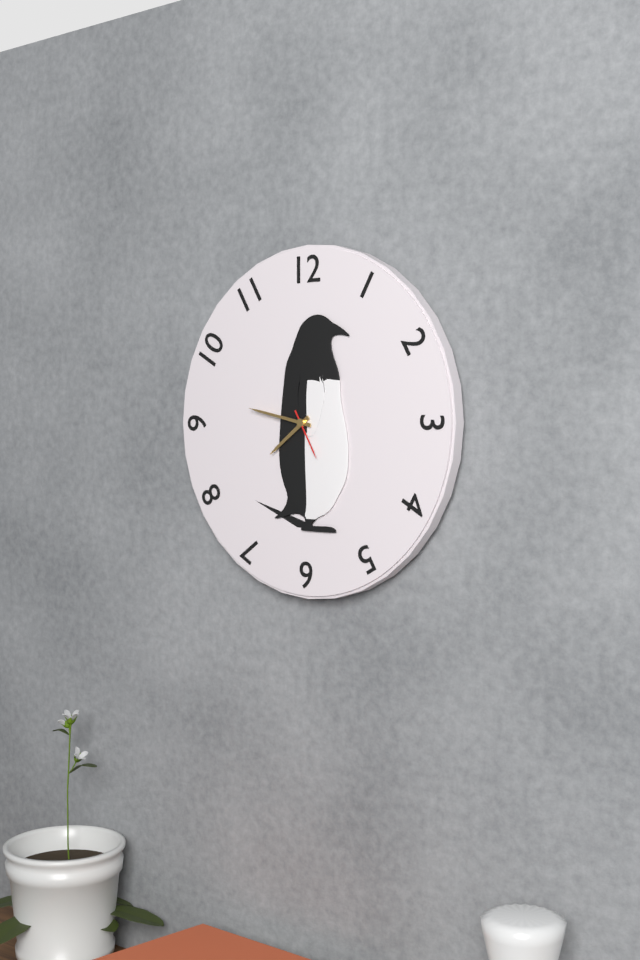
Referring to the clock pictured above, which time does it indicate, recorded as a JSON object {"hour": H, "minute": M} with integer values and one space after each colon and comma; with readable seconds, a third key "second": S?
{"hour": 7, "minute": 47}
